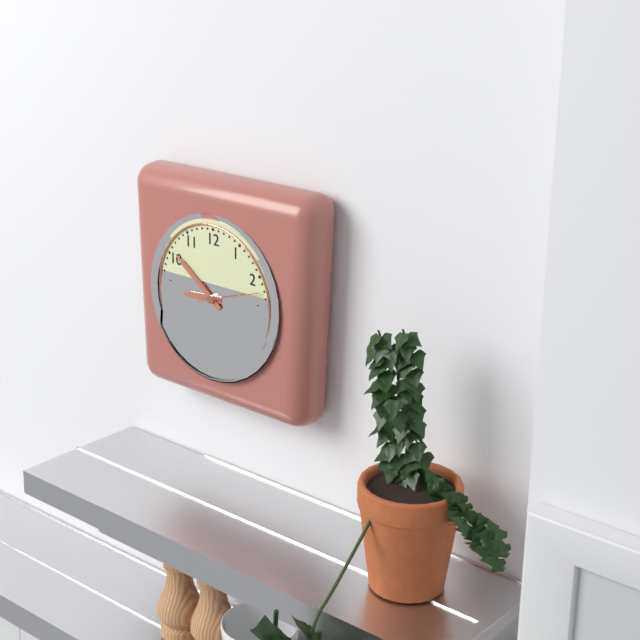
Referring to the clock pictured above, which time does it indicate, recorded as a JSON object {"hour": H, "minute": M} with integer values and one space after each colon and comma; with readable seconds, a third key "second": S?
{"hour": 8, "minute": 51}
